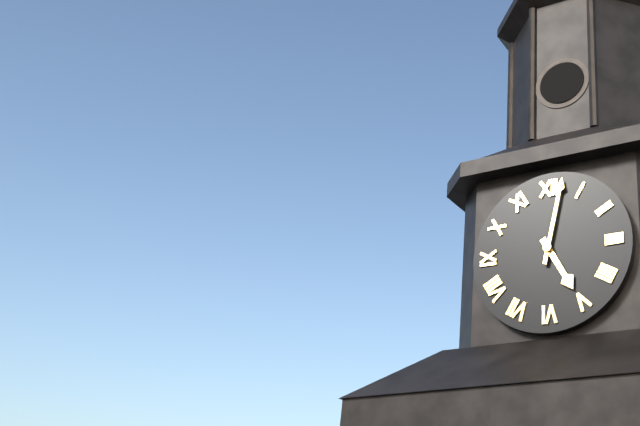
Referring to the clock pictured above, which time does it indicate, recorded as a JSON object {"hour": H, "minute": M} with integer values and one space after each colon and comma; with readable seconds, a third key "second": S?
{"hour": 5, "minute": 2}
